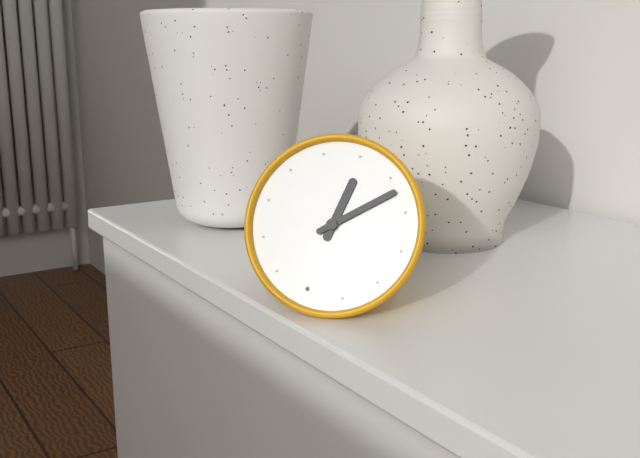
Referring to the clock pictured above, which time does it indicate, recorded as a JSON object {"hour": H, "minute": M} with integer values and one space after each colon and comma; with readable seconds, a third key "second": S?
{"hour": 12, "minute": 7}
